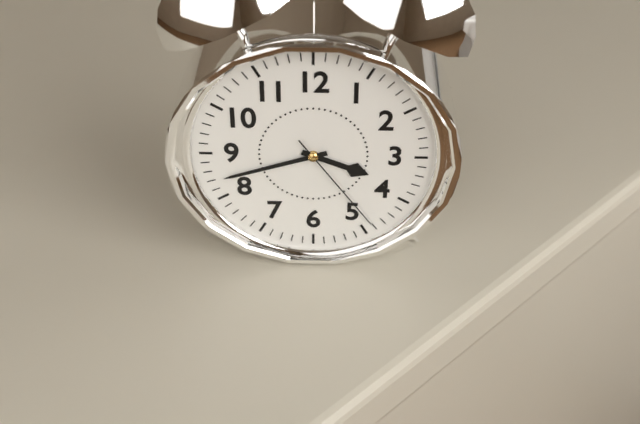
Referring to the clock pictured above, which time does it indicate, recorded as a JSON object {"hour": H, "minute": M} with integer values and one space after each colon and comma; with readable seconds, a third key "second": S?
{"hour": 3, "minute": 42, "second": 24}
